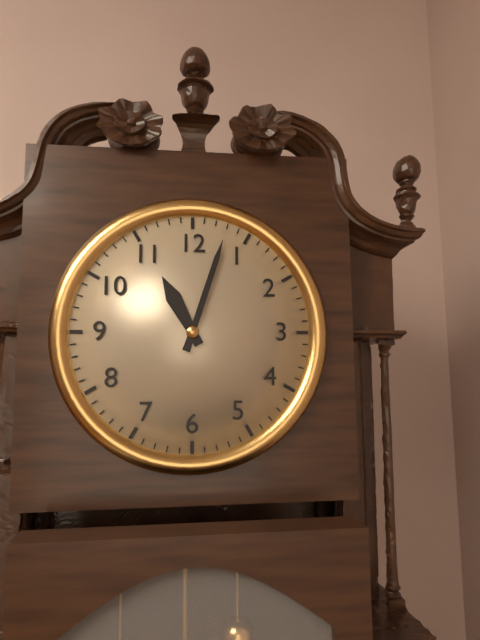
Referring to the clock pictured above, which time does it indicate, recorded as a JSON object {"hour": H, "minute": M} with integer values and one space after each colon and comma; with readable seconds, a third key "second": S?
{"hour": 11, "minute": 3}
